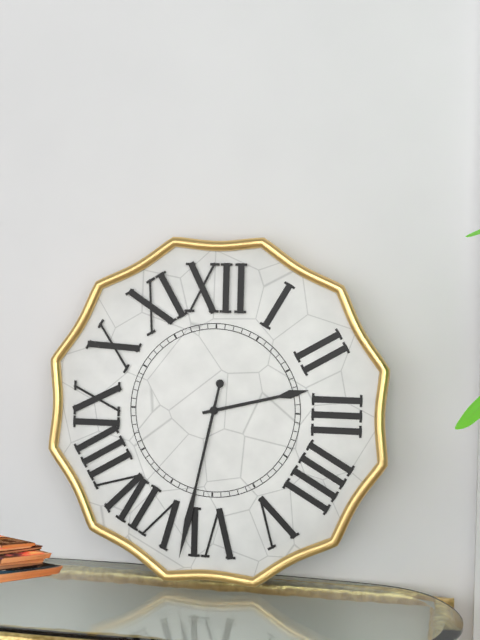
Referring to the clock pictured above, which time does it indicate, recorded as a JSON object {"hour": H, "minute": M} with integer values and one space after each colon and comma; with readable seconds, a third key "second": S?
{"hour": 2, "minute": 32}
